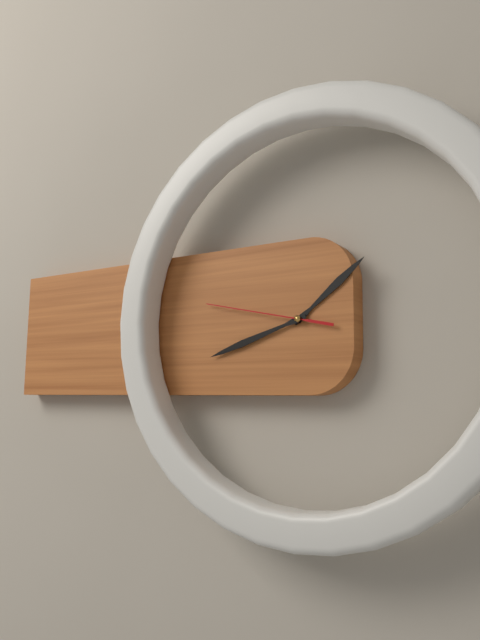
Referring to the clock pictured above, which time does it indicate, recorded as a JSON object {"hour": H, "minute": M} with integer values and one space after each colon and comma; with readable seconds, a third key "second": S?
{"hour": 1, "minute": 42, "second": 47}
